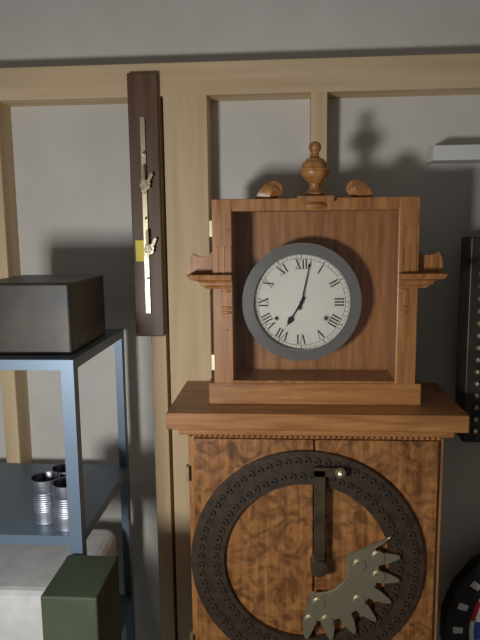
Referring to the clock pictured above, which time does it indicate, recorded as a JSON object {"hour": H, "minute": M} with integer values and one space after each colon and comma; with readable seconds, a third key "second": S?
{"hour": 7, "minute": 2}
